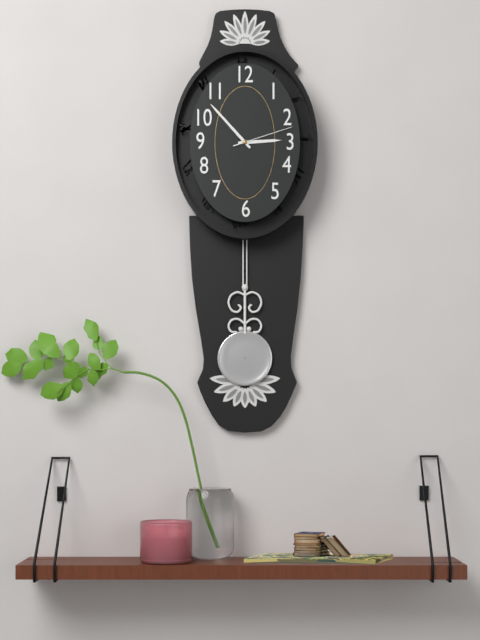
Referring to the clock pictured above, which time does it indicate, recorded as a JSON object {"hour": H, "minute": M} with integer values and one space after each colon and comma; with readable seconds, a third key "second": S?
{"hour": 2, "minute": 53, "second": 12}
